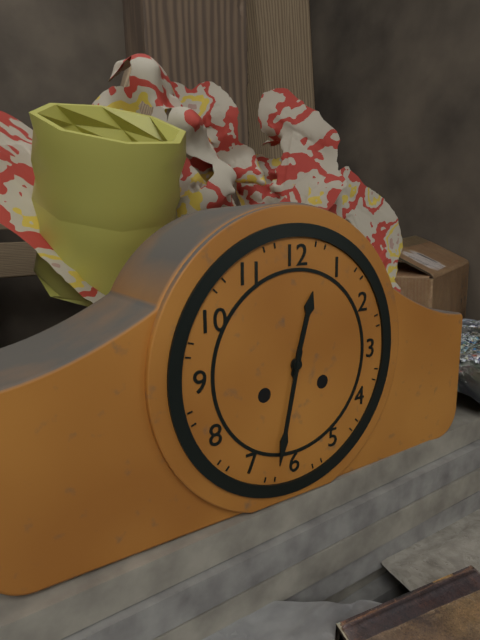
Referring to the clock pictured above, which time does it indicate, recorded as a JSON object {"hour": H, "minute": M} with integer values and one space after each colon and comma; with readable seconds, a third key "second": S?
{"hour": 12, "minute": 32}
